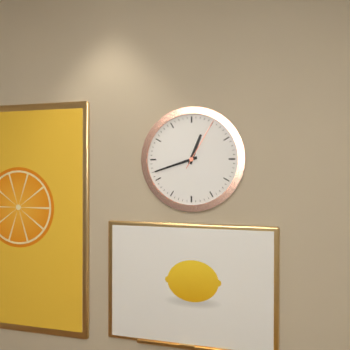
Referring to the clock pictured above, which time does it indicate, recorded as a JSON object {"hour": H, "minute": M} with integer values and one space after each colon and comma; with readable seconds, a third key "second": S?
{"hour": 12, "minute": 42, "second": 5}
